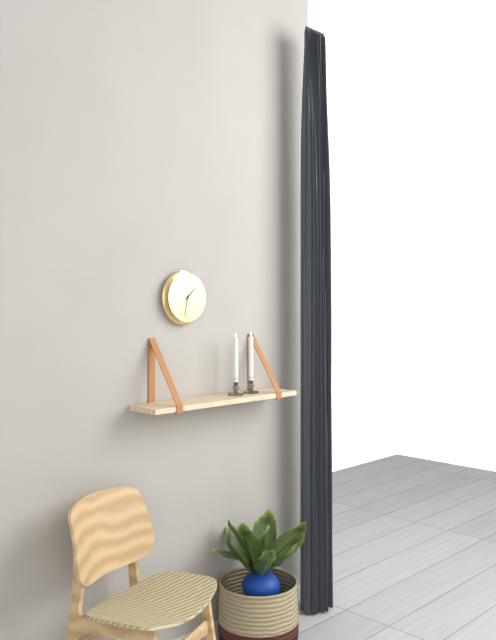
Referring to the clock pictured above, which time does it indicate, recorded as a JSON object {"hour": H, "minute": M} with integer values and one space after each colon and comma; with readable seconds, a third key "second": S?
{"hour": 1, "minute": 32}
